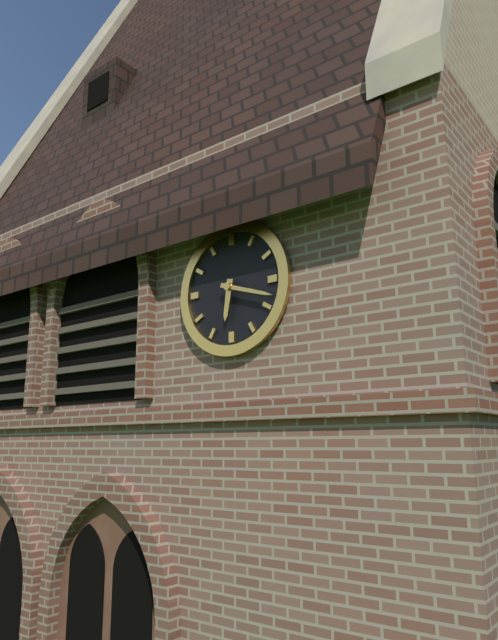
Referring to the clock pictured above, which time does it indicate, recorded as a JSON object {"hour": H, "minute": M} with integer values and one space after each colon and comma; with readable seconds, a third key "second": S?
{"hour": 6, "minute": 18}
